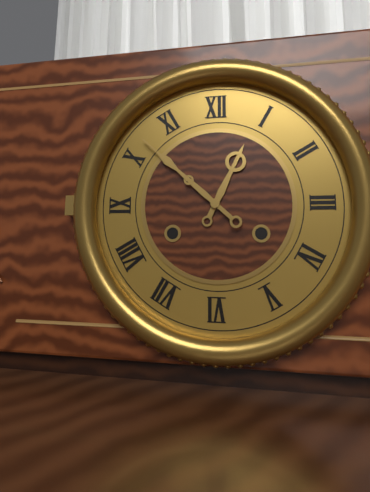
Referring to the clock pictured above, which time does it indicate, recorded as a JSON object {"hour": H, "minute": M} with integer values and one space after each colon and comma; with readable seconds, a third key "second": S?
{"hour": 12, "minute": 52}
